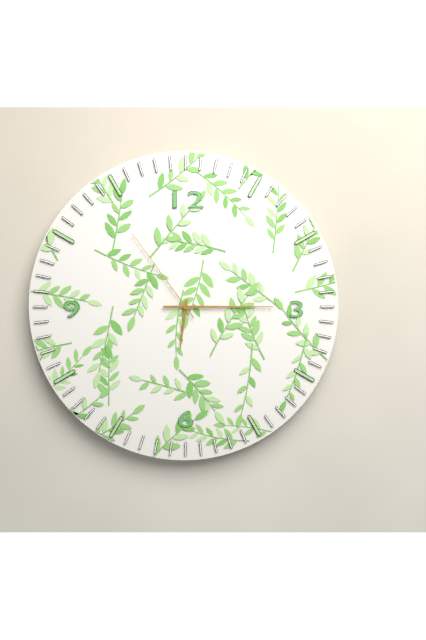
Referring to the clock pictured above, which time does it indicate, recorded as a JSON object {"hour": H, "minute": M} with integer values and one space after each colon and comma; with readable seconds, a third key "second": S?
{"hour": 6, "minute": 15, "second": 54}
